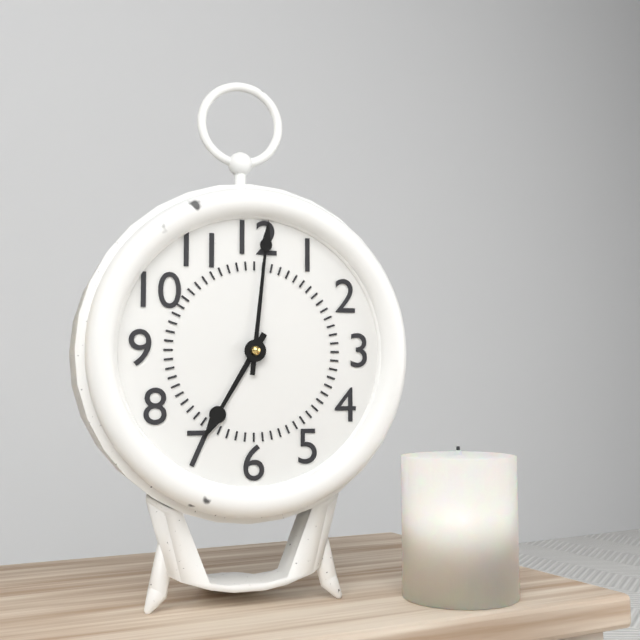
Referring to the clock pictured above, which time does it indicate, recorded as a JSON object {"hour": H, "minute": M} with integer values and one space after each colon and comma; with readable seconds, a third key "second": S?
{"hour": 7, "minute": 1}
